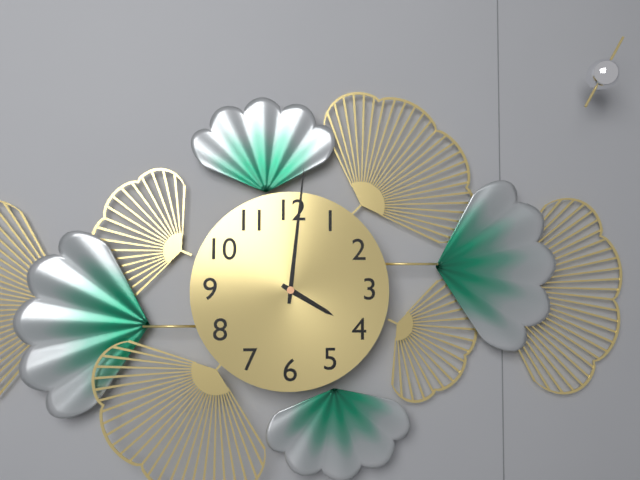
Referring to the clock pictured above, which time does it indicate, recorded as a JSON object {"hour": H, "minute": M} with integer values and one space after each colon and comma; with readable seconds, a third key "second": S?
{"hour": 4, "minute": 1}
